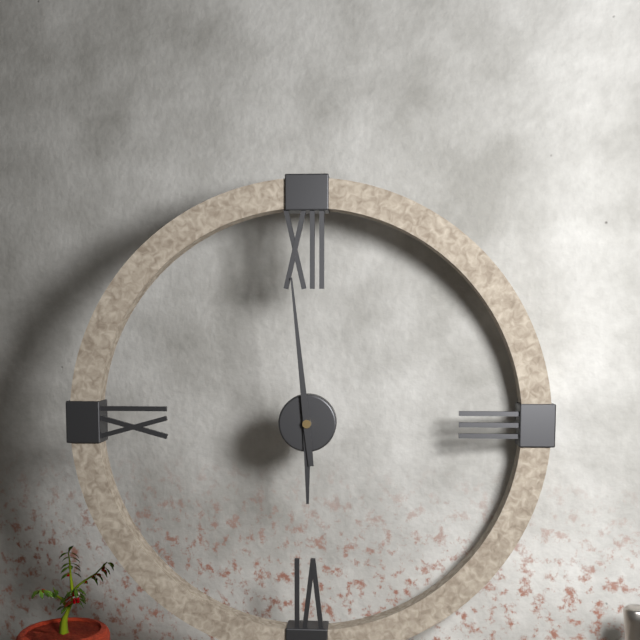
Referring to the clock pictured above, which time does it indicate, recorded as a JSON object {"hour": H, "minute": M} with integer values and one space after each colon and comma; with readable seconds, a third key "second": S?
{"hour": 5, "minute": 59}
